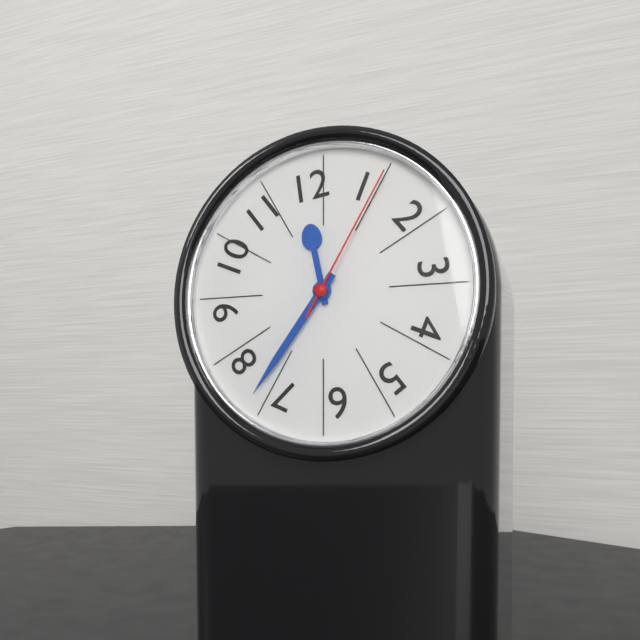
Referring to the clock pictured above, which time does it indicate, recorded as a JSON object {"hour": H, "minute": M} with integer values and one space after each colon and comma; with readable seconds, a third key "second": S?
{"hour": 11, "minute": 36, "second": 5}
